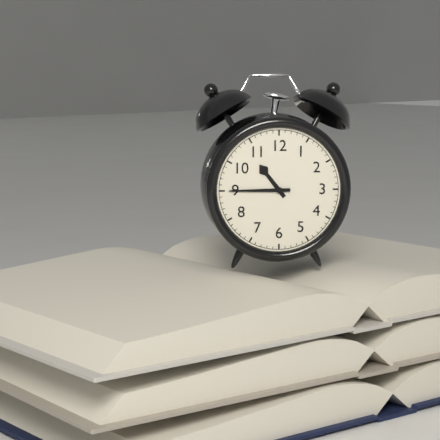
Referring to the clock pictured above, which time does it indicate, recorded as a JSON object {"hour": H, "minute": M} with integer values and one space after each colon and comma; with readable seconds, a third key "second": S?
{"hour": 10, "minute": 45}
